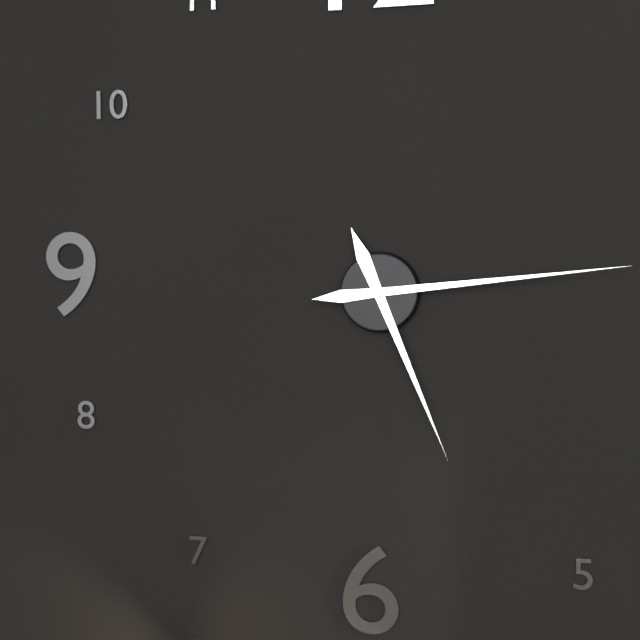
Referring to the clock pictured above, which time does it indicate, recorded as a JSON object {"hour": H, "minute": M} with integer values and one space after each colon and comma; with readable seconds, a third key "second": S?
{"hour": 5, "minute": 14}
